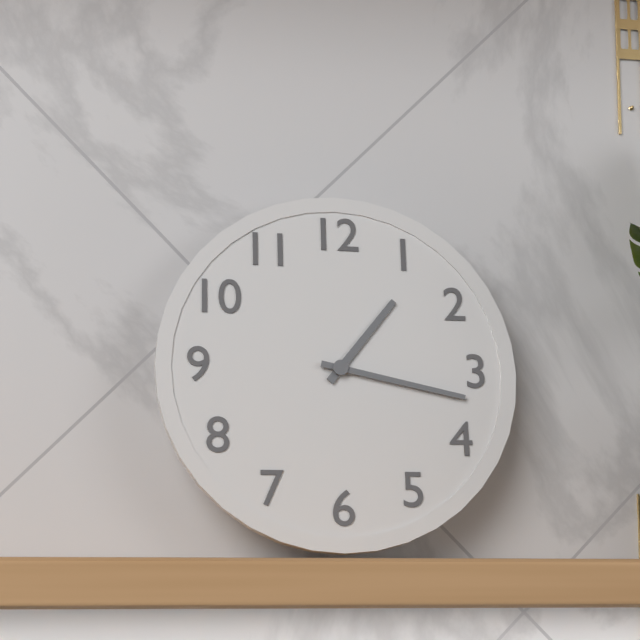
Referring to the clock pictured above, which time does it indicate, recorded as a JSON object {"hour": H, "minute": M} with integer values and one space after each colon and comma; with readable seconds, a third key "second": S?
{"hour": 1, "minute": 17}
